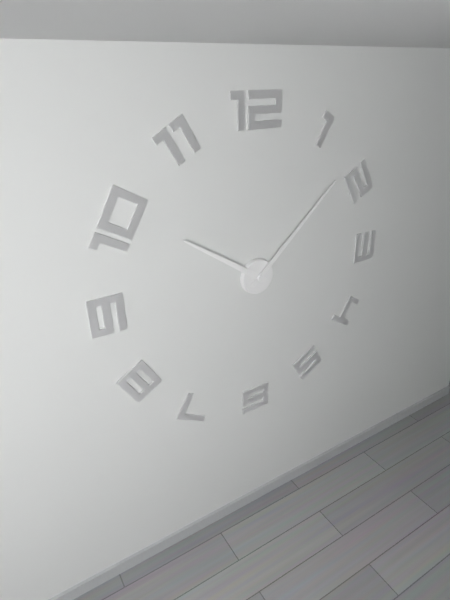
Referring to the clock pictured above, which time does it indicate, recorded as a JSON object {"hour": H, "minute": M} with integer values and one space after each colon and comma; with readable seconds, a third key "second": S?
{"hour": 10, "minute": 8}
